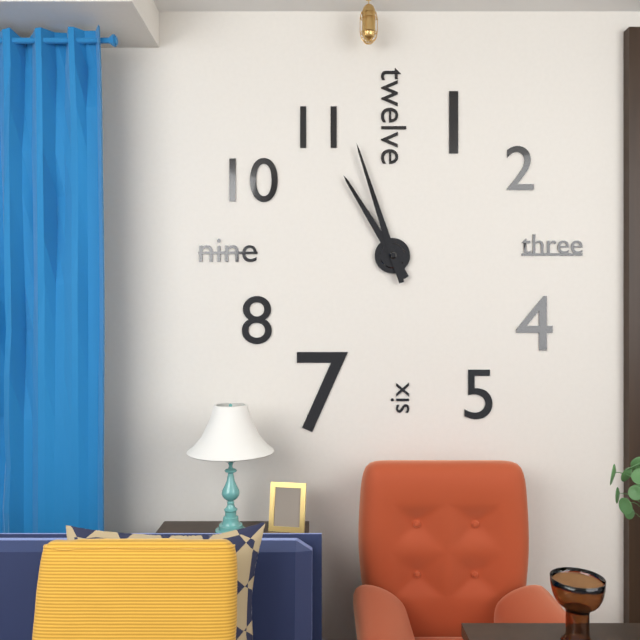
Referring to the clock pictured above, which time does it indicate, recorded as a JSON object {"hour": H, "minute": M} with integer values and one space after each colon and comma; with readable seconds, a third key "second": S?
{"hour": 10, "minute": 57}
